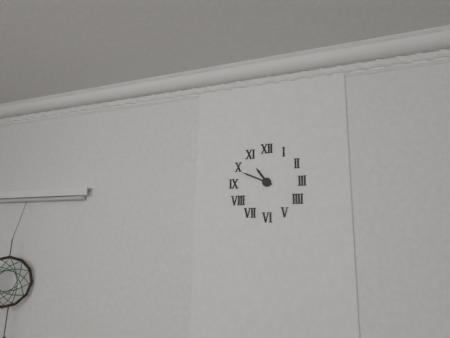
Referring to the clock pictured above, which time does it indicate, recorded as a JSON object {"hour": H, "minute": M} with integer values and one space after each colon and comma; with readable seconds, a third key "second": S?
{"hour": 10, "minute": 49}
